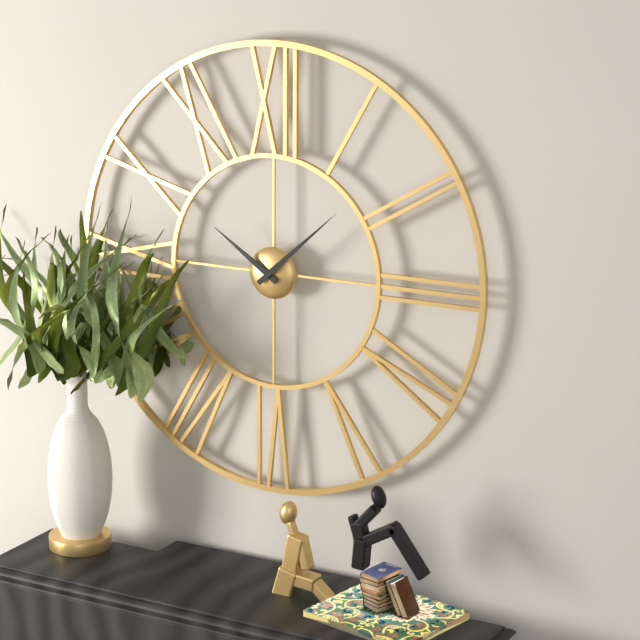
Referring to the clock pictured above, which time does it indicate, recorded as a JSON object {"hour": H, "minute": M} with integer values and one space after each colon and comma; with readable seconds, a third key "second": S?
{"hour": 10, "minute": 8}
